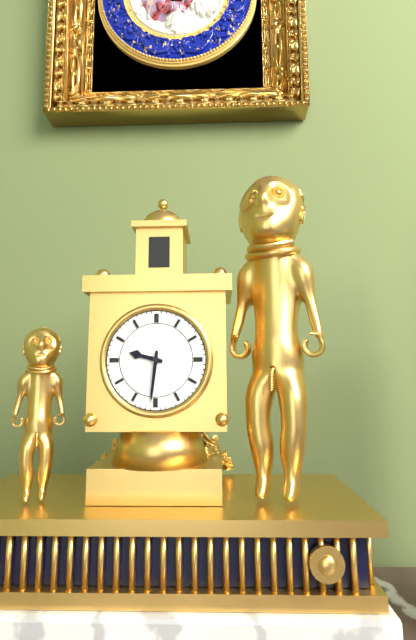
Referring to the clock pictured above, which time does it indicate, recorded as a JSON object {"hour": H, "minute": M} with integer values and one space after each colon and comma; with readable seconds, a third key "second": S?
{"hour": 9, "minute": 31}
